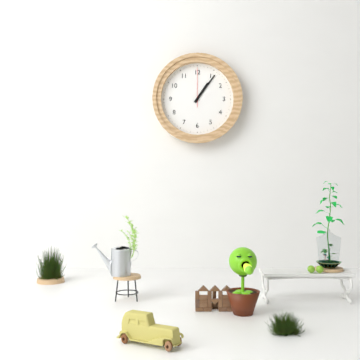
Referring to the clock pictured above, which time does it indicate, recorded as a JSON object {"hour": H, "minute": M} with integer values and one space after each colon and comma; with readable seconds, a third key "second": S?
{"hour": 1, "minute": 6}
